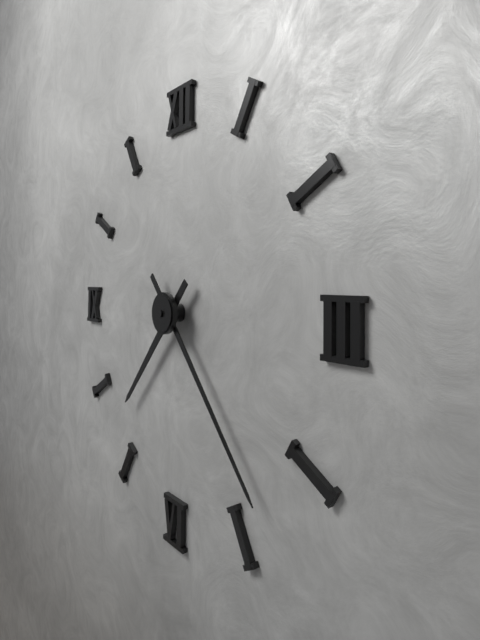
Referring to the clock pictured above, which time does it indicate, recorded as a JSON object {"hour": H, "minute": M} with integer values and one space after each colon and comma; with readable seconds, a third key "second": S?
{"hour": 7, "minute": 23}
